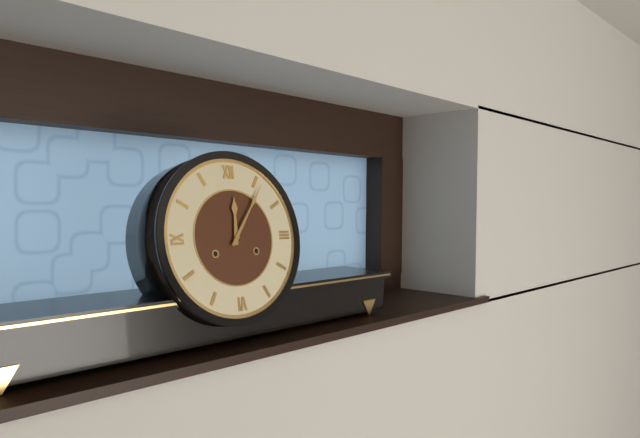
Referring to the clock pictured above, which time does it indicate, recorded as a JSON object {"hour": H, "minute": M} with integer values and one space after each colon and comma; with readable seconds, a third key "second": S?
{"hour": 12, "minute": 6}
